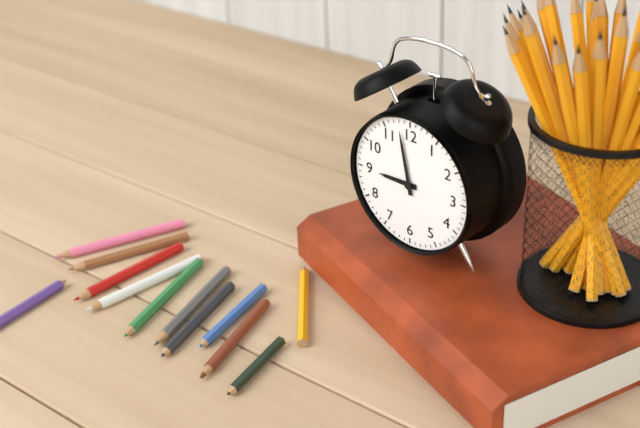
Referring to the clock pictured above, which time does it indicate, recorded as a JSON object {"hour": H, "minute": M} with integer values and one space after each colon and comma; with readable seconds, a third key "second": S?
{"hour": 8, "minute": 58}
